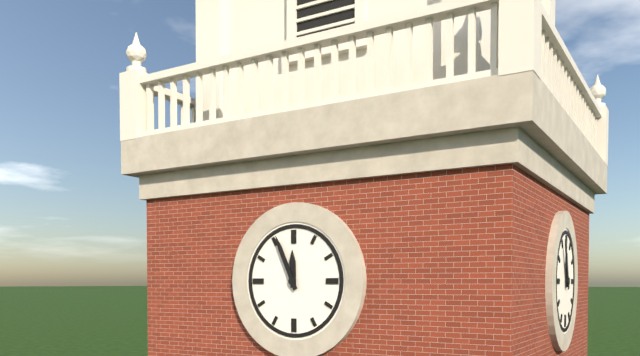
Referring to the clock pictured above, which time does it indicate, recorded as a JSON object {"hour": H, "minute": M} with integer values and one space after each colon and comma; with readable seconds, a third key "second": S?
{"hour": 11, "minute": 56}
